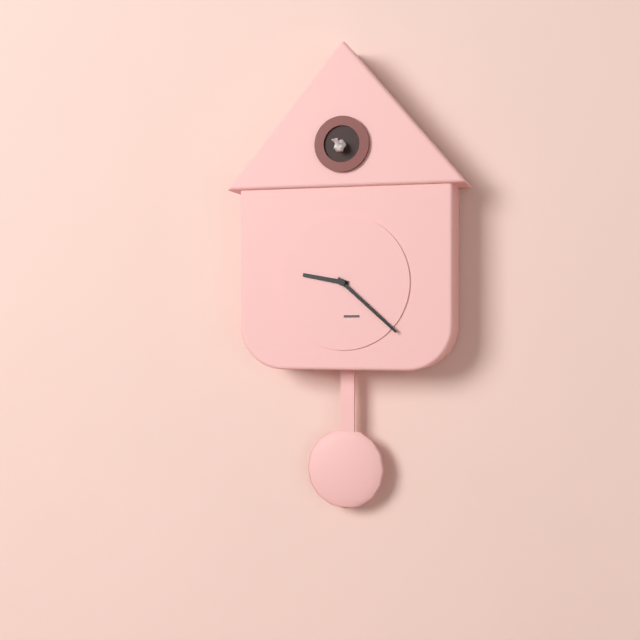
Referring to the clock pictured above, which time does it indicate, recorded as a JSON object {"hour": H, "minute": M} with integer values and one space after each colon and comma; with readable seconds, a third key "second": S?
{"hour": 9, "minute": 22}
